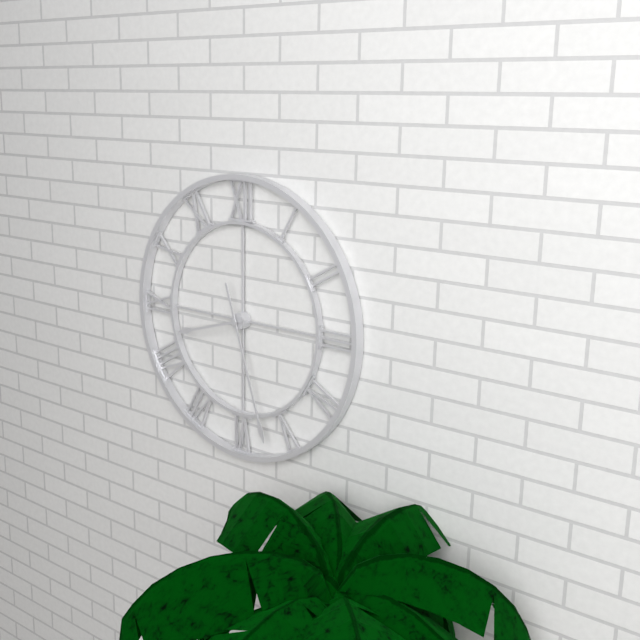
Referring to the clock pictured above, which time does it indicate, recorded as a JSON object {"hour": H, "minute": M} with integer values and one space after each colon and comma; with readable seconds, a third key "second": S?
{"hour": 8, "minute": 27}
